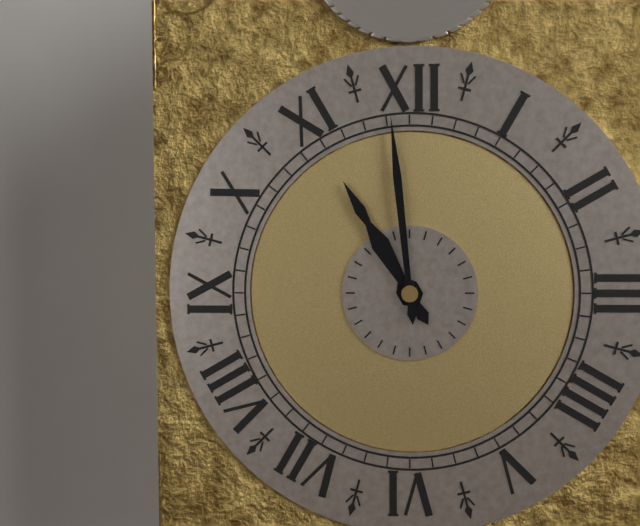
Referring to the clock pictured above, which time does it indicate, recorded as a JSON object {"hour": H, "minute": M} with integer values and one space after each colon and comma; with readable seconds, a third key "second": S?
{"hour": 10, "minute": 59}
